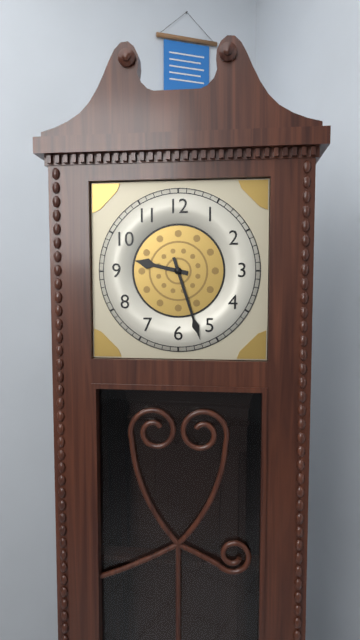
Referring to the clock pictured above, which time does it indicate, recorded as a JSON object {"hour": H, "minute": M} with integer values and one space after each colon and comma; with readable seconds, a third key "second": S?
{"hour": 9, "minute": 27}
